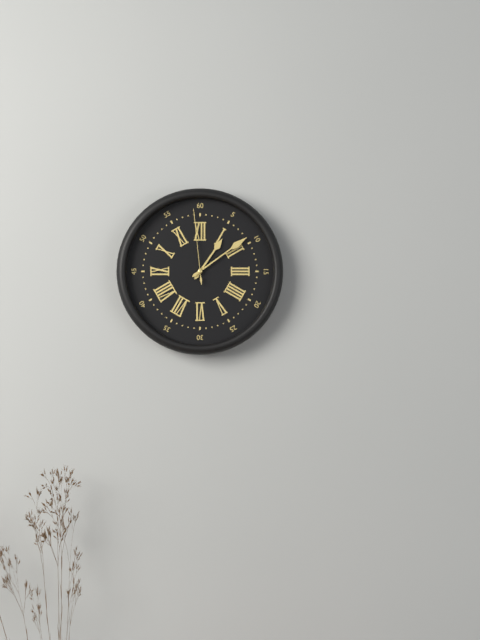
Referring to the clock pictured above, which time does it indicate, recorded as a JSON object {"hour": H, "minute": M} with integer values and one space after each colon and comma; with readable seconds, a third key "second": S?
{"hour": 1, "minute": 9, "second": 59}
